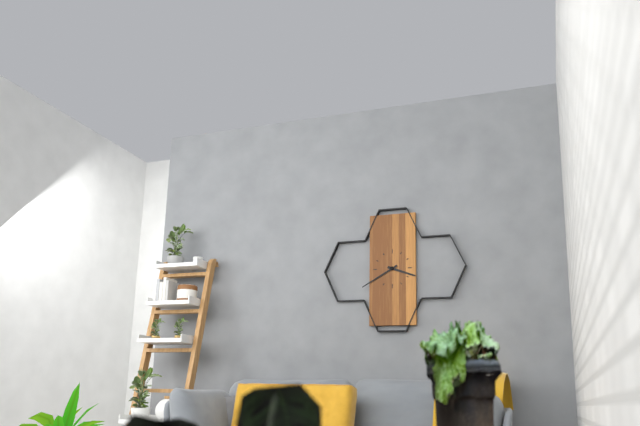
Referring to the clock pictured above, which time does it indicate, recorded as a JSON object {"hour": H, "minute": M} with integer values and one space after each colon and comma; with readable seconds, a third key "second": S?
{"hour": 3, "minute": 40}
